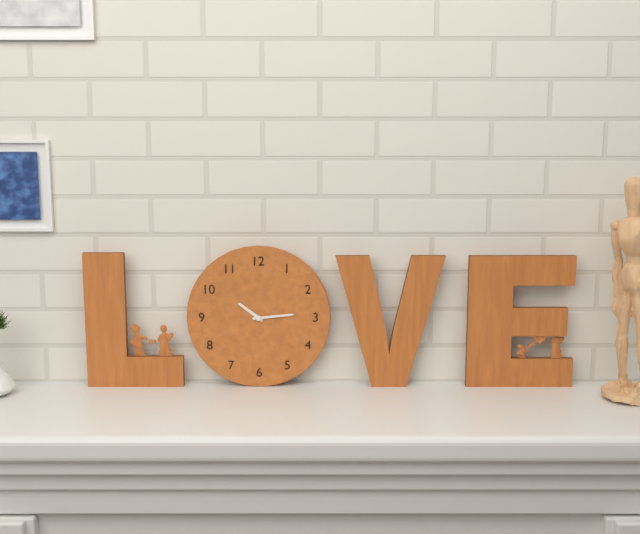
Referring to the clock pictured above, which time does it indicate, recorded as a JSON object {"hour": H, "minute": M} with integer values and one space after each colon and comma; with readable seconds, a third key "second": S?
{"hour": 10, "minute": 14}
